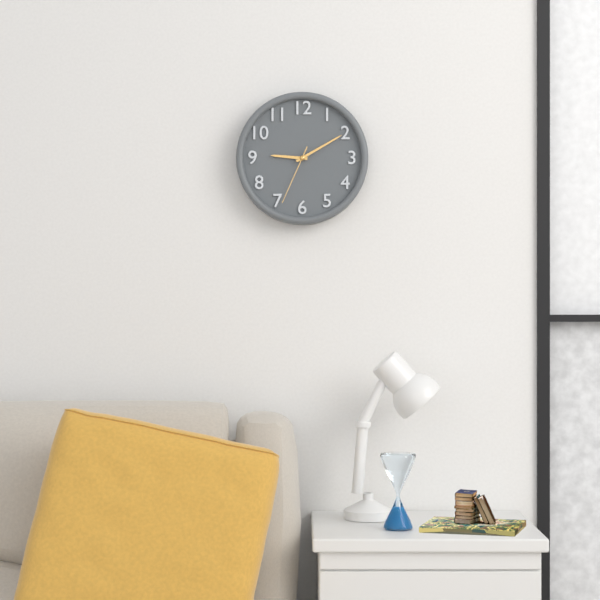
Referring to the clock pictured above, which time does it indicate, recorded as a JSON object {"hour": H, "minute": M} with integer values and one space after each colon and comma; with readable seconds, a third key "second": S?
{"hour": 9, "minute": 10, "second": 34}
